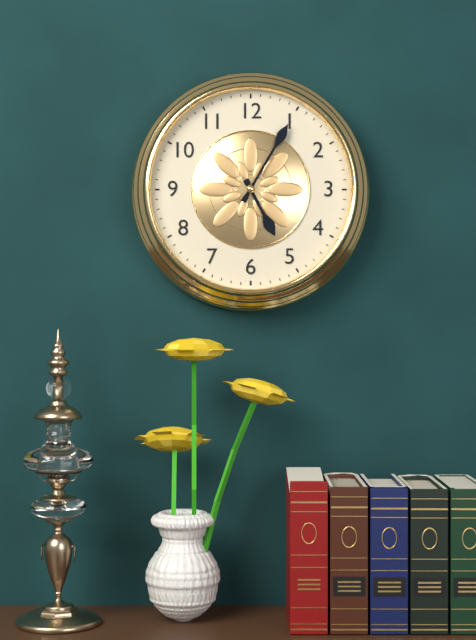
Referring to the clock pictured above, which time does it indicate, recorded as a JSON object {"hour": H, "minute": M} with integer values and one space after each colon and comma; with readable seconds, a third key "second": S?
{"hour": 5, "minute": 5}
